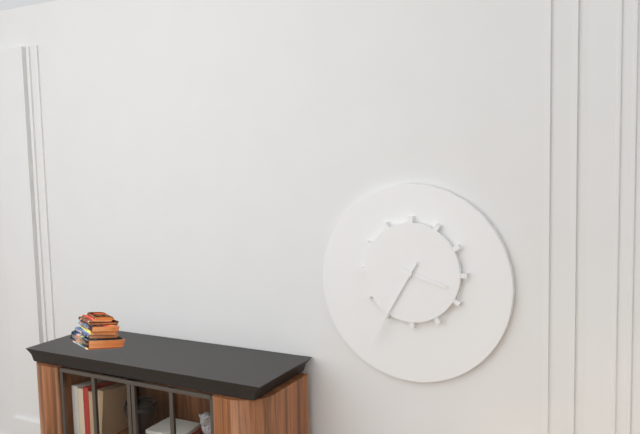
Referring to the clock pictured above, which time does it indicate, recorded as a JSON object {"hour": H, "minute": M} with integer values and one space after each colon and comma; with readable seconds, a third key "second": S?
{"hour": 3, "minute": 35}
